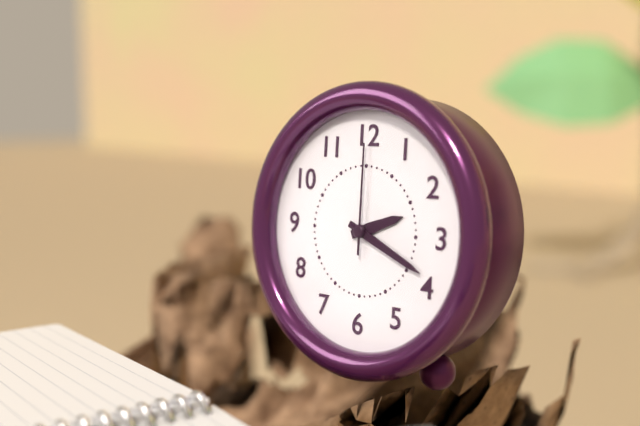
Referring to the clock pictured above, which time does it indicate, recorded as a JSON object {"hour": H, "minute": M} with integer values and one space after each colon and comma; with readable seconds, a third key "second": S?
{"hour": 2, "minute": 19, "second": 0}
